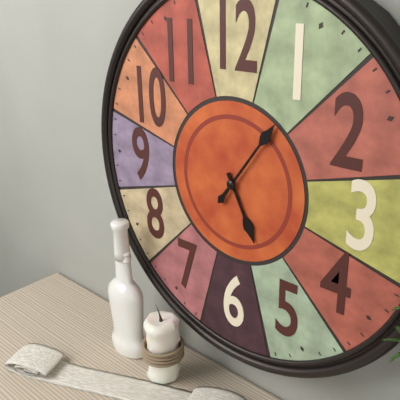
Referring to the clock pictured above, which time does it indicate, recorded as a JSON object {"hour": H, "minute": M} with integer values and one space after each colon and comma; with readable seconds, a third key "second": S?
{"hour": 5, "minute": 6}
